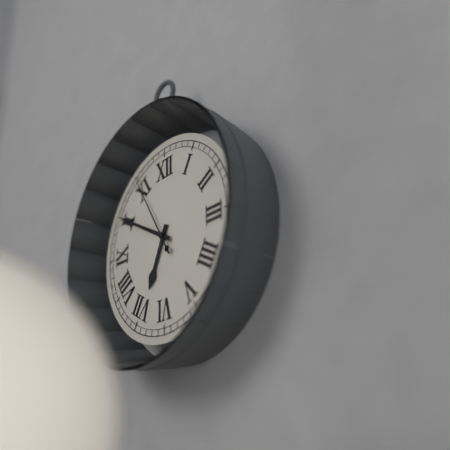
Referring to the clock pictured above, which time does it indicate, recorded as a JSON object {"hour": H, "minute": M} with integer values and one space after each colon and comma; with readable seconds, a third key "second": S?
{"hour": 6, "minute": 50, "second": 55}
